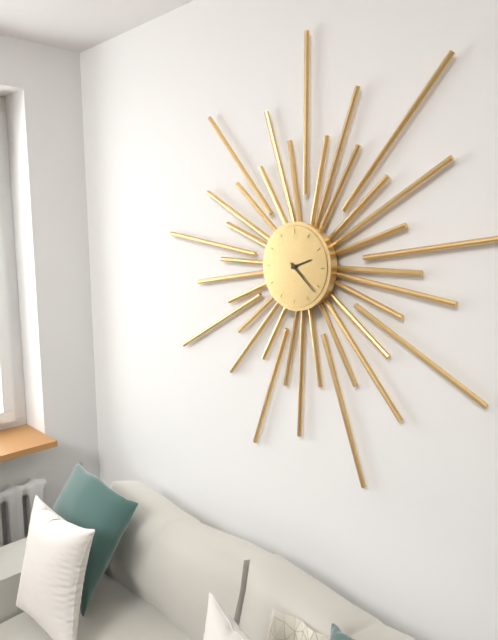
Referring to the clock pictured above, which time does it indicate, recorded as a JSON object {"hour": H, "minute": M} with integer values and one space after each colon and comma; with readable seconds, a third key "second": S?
{"hour": 2, "minute": 22}
